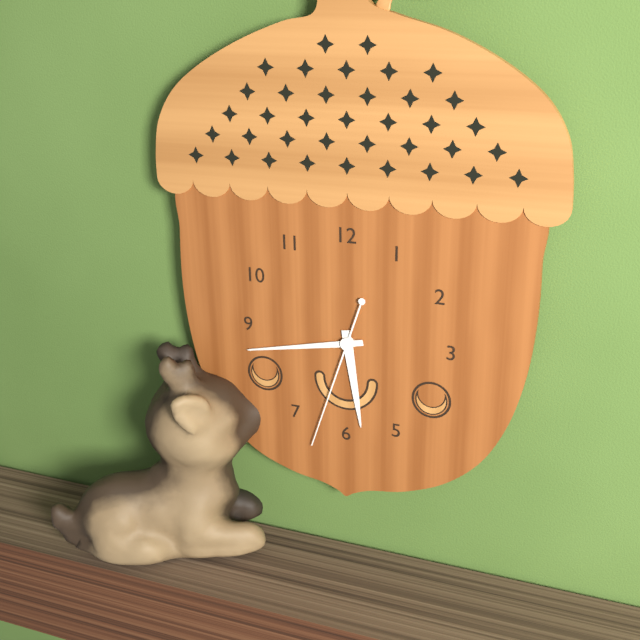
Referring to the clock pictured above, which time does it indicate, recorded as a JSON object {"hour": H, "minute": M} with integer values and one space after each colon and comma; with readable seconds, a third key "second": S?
{"hour": 5, "minute": 43, "second": 33}
